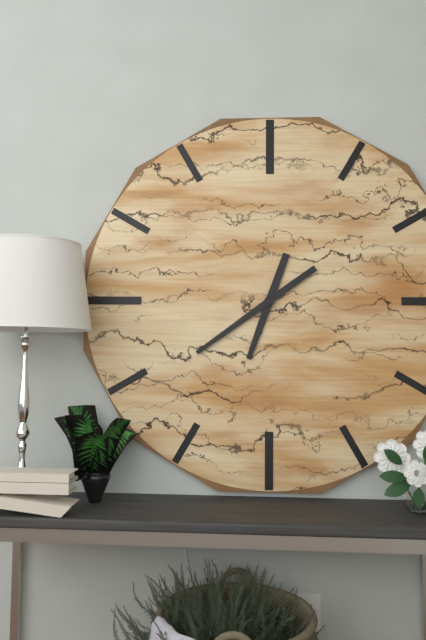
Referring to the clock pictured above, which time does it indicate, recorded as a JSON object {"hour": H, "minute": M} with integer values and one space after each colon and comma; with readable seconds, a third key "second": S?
{"hour": 6, "minute": 39}
